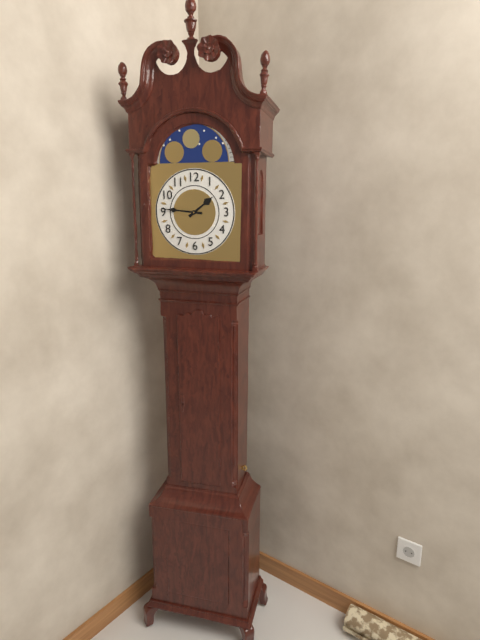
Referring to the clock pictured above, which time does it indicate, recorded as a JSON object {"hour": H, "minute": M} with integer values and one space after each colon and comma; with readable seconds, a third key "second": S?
{"hour": 1, "minute": 46}
